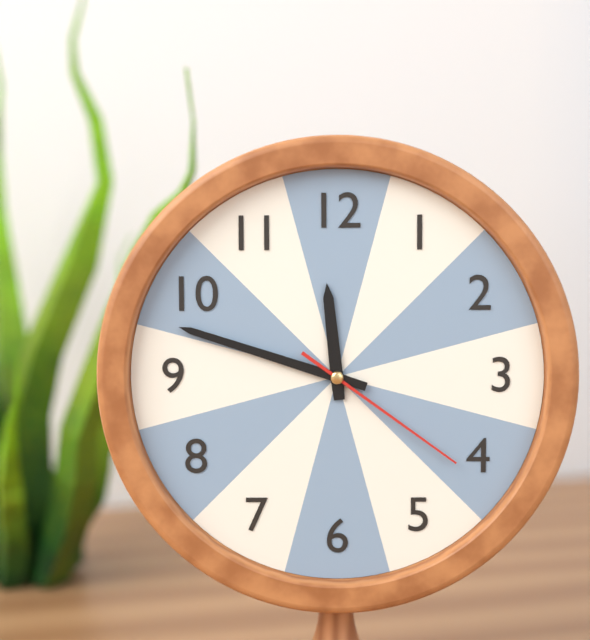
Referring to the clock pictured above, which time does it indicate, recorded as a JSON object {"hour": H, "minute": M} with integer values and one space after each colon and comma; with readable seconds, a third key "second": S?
{"hour": 11, "minute": 48, "second": 21}
